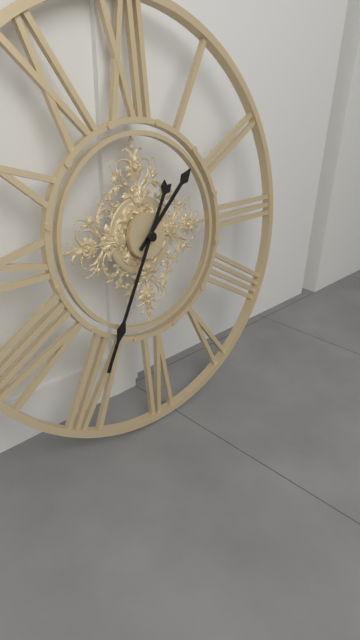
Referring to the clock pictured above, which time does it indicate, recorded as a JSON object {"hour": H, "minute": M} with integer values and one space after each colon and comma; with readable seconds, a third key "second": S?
{"hour": 1, "minute": 35}
